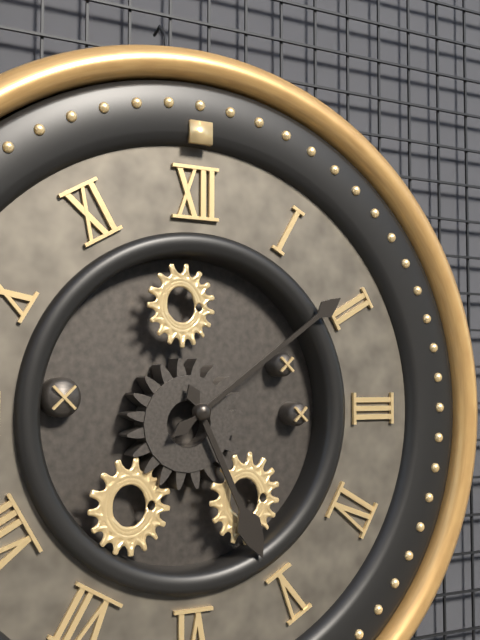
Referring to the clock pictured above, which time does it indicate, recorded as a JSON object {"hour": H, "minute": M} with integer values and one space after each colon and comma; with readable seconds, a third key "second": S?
{"hour": 5, "minute": 9}
